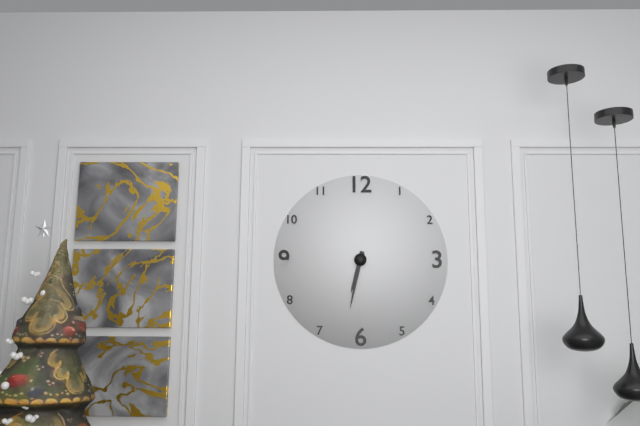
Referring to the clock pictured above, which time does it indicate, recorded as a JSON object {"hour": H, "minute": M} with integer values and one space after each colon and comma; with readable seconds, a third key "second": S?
{"hour": 6, "minute": 32}
